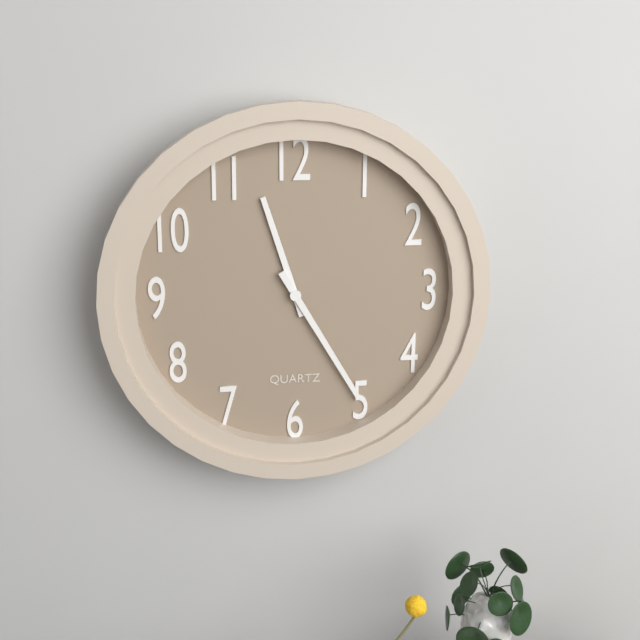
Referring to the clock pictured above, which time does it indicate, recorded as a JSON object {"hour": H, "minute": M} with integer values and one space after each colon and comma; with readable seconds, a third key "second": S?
{"hour": 11, "minute": 25}
